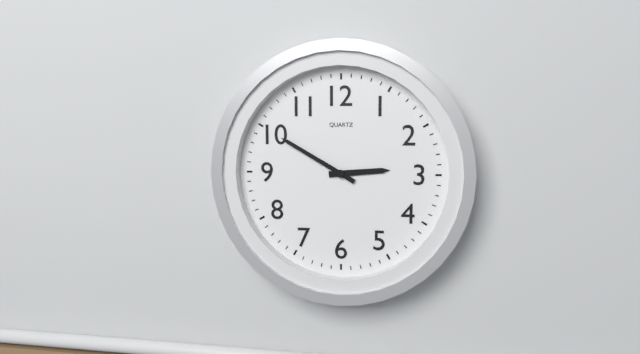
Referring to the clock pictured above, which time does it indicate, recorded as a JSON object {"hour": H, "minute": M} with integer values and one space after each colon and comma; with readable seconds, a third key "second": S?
{"hour": 2, "minute": 50}
